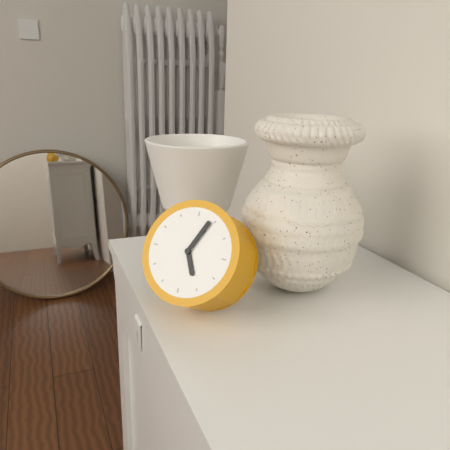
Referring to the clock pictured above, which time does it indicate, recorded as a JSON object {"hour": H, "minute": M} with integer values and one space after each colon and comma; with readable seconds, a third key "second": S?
{"hour": 5, "minute": 4}
